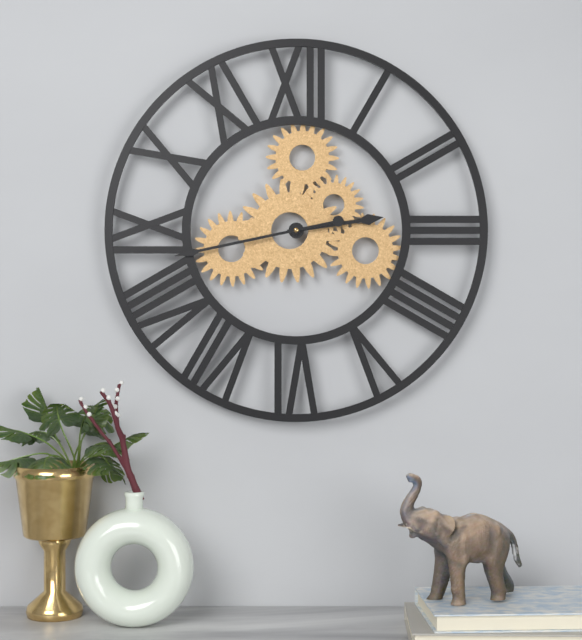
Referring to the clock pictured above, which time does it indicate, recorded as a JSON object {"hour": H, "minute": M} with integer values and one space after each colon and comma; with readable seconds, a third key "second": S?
{"hour": 2, "minute": 43}
